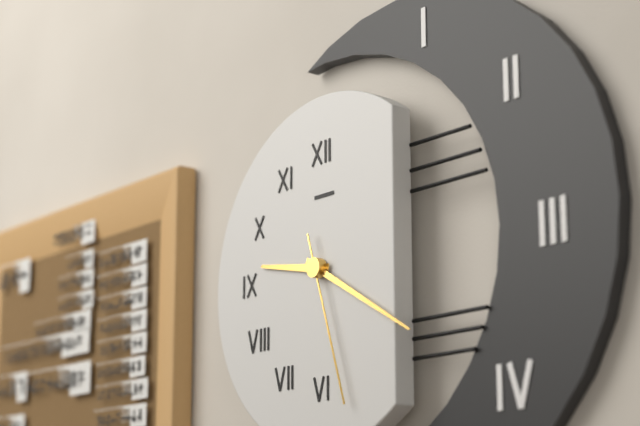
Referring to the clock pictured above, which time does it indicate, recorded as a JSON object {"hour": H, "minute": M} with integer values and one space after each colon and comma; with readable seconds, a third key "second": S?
{"hour": 9, "minute": 20, "second": 27}
